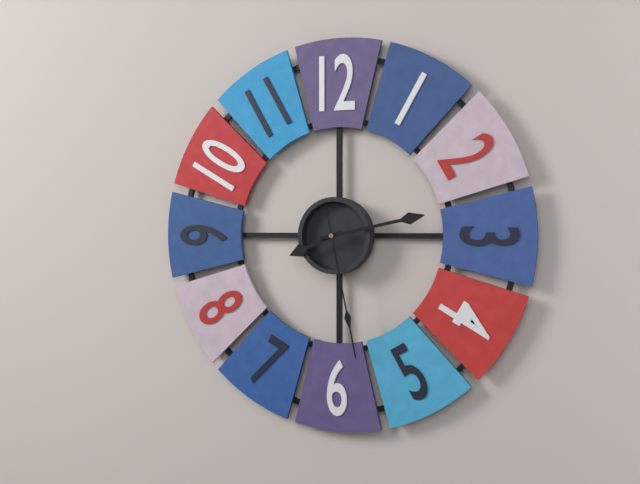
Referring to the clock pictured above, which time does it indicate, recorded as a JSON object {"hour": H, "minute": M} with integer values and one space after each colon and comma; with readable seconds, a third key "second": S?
{"hour": 8, "minute": 13, "second": 28}
